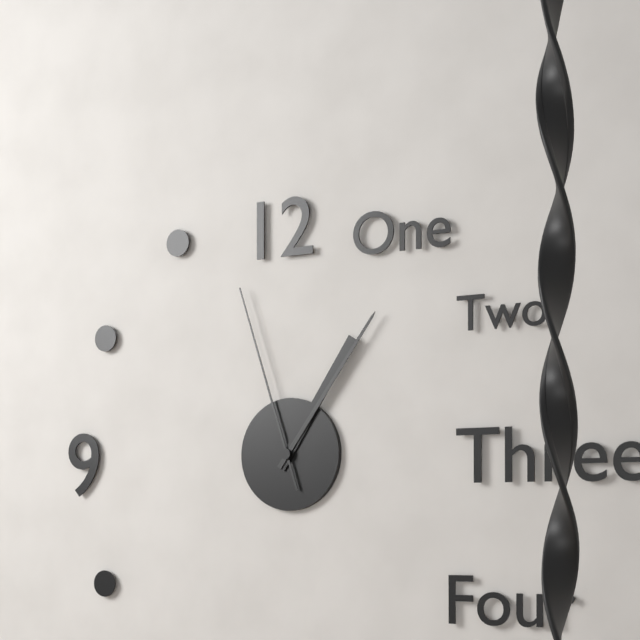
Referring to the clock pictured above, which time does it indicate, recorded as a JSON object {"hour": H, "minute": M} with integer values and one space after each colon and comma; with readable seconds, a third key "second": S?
{"hour": 1, "minute": 6, "second": 57}
